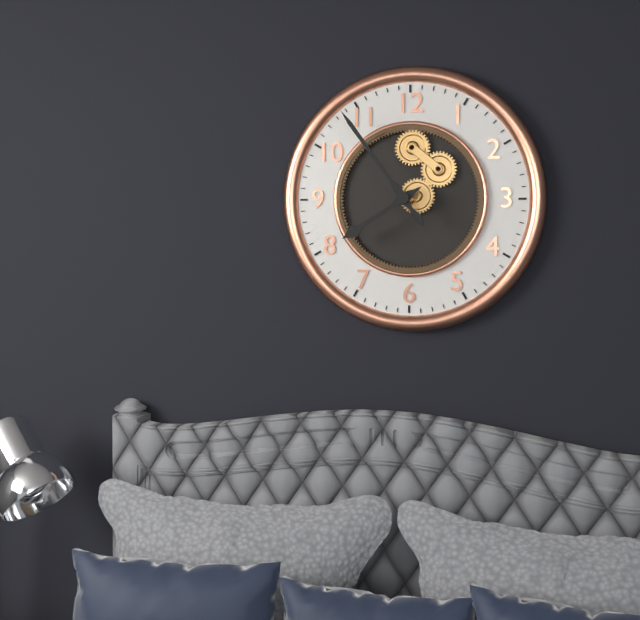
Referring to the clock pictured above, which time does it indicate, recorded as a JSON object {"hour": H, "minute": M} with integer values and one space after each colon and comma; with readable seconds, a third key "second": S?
{"hour": 7, "minute": 54}
